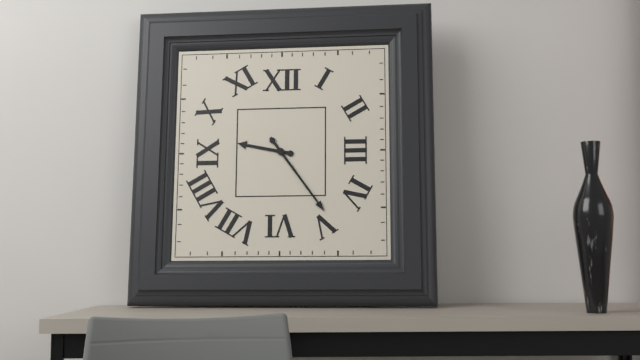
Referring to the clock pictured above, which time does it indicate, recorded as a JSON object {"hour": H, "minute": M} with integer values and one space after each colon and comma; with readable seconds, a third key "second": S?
{"hour": 9, "minute": 24}
